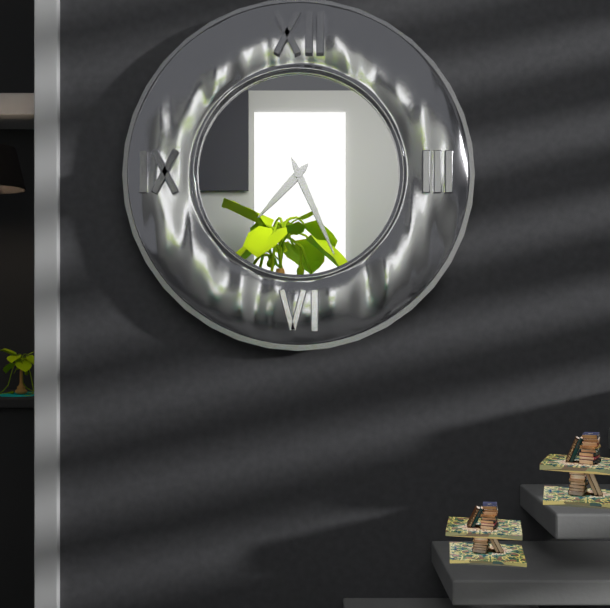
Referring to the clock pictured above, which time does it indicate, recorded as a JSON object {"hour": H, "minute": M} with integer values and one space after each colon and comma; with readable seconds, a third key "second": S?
{"hour": 7, "minute": 26}
